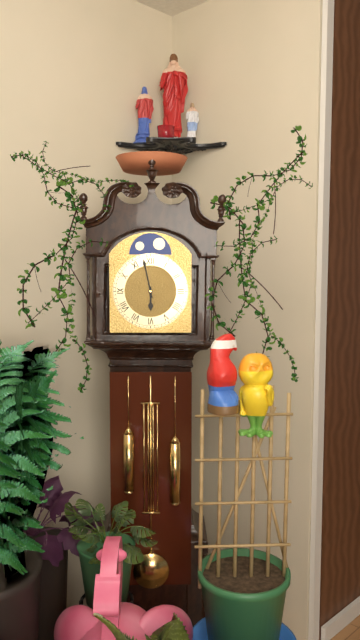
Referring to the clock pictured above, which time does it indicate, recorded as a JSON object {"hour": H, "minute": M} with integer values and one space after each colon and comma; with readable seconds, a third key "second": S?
{"hour": 5, "minute": 58}
